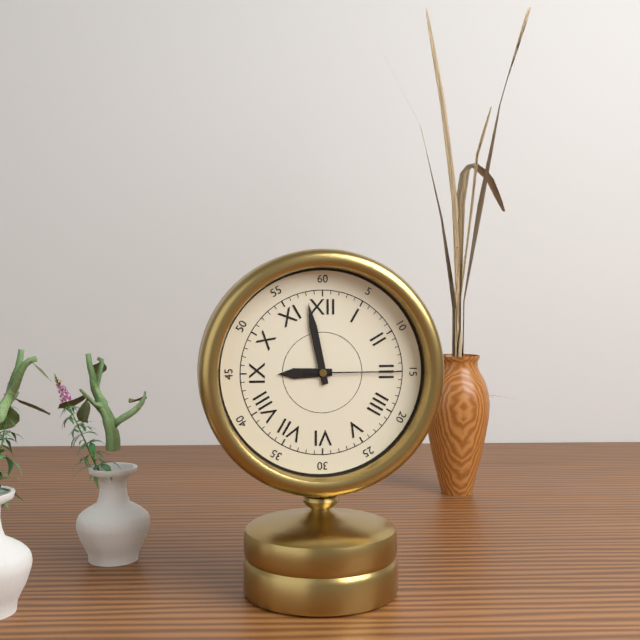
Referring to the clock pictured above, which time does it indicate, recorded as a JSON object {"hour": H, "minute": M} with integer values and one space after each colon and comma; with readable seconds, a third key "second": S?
{"hour": 8, "minute": 58, "second": 15}
